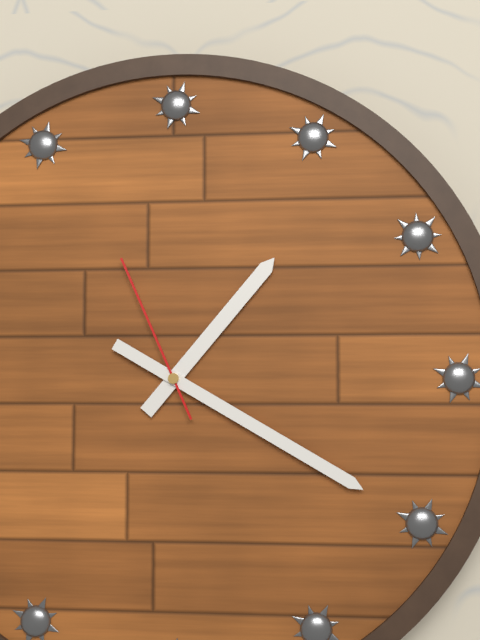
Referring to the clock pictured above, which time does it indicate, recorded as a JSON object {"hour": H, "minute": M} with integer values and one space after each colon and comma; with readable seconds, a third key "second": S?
{"hour": 1, "minute": 20, "second": 56}
